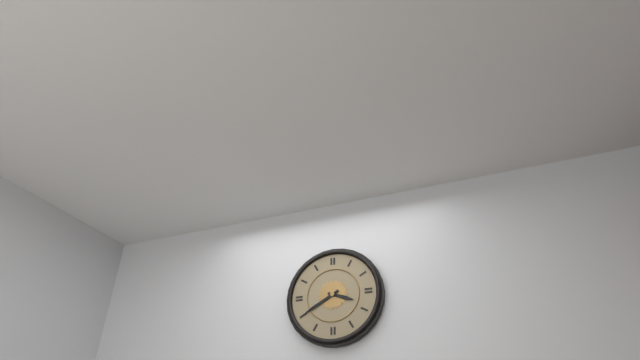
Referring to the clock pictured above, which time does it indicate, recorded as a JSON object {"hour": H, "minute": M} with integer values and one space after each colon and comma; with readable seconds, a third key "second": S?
{"hour": 3, "minute": 40}
